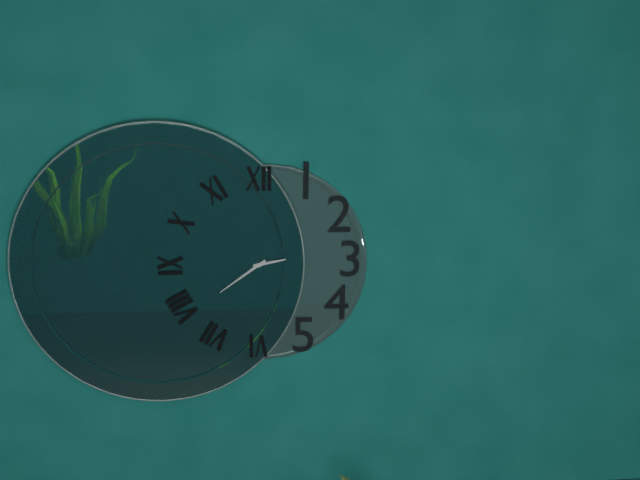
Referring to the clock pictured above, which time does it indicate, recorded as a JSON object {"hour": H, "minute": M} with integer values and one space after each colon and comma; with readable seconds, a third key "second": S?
{"hour": 2, "minute": 39}
